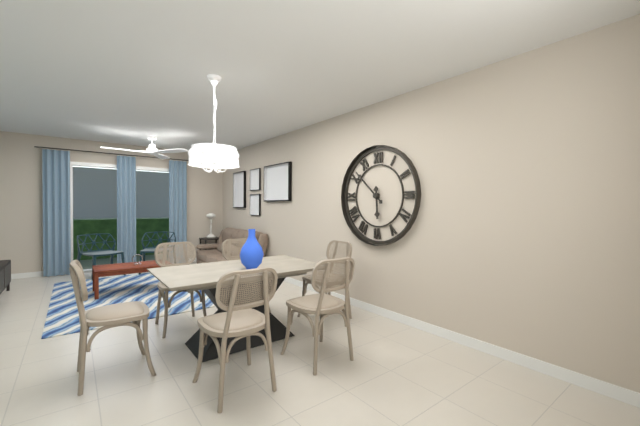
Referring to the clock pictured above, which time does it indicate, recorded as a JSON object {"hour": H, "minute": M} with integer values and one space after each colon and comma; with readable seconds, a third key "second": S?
{"hour": 5, "minute": 52}
